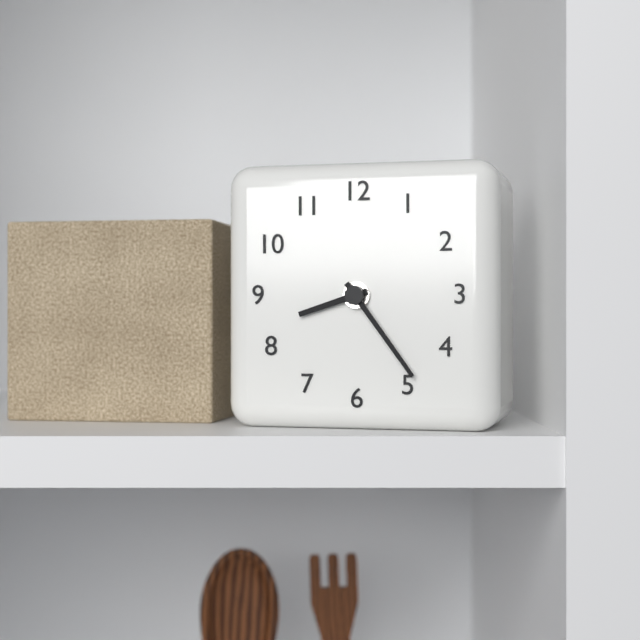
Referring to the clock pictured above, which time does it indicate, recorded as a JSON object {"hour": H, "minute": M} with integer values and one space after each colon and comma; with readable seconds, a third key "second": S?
{"hour": 8, "minute": 24}
